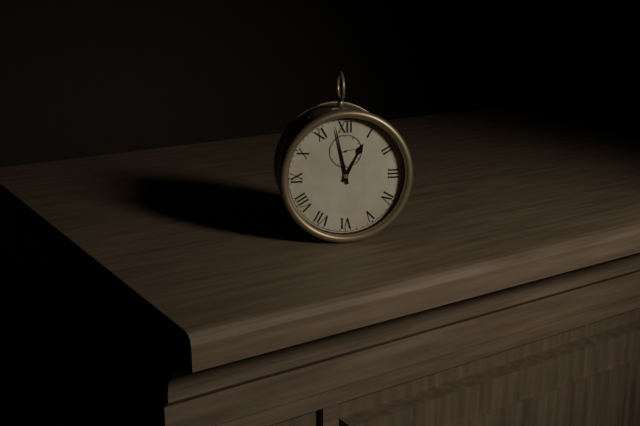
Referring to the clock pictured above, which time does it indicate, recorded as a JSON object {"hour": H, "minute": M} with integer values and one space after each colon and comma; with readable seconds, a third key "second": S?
{"hour": 12, "minute": 58}
